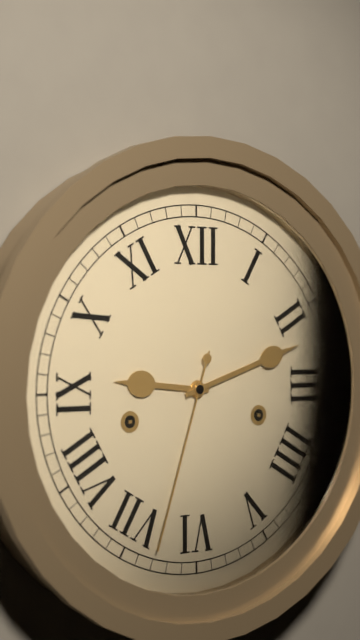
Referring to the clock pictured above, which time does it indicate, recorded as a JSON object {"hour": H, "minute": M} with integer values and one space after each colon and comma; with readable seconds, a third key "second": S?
{"hour": 9, "minute": 12, "second": 33}
